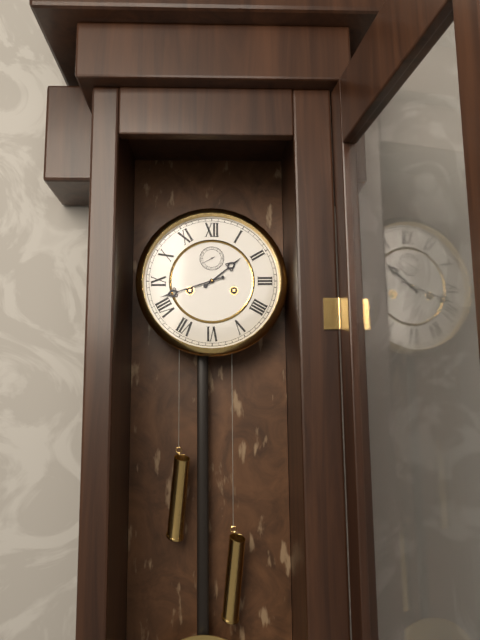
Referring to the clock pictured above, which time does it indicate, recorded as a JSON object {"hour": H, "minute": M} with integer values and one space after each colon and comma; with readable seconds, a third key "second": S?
{"hour": 1, "minute": 42}
